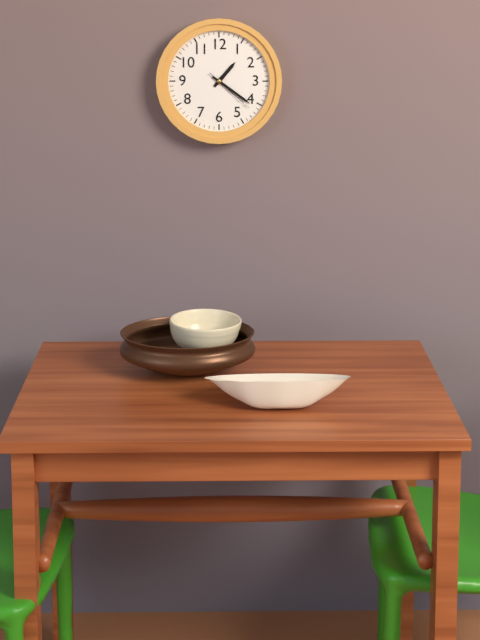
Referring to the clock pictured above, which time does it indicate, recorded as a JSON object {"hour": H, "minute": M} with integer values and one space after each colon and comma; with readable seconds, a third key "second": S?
{"hour": 1, "minute": 21}
